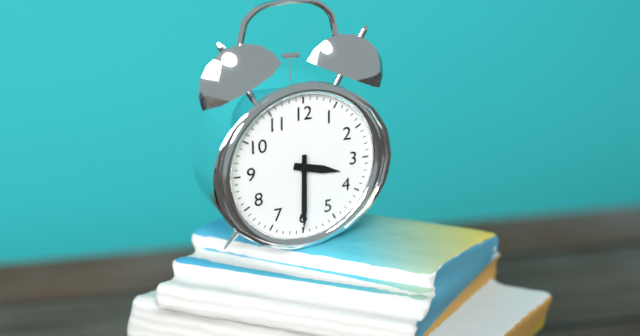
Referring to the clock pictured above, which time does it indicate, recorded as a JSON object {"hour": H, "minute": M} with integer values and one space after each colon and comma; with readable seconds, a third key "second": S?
{"hour": 3, "minute": 30}
